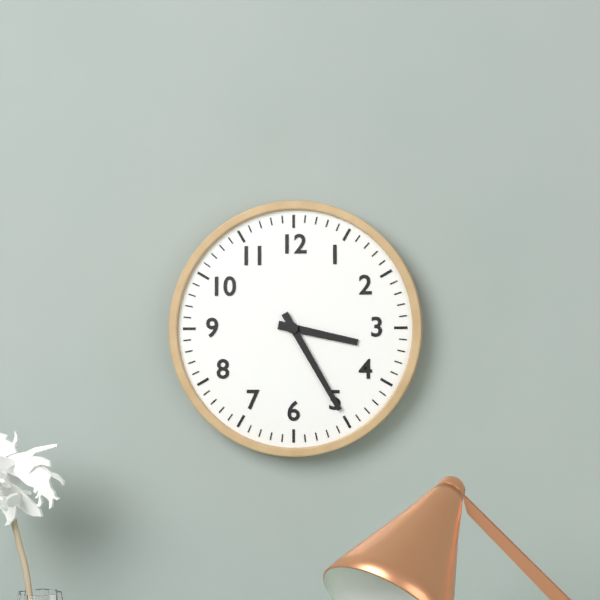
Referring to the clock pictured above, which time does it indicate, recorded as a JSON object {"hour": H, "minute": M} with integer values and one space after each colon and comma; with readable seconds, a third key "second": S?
{"hour": 3, "minute": 25}
